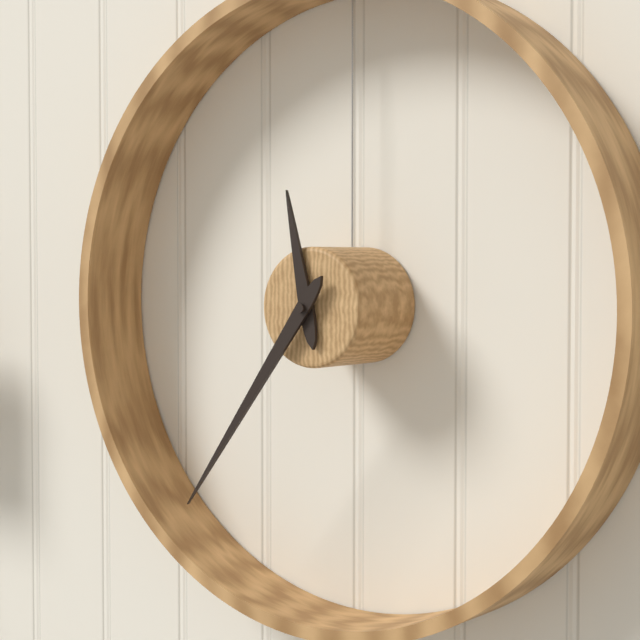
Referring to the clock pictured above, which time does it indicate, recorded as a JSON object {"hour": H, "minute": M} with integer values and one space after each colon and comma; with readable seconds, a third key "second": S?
{"hour": 11, "minute": 36}
